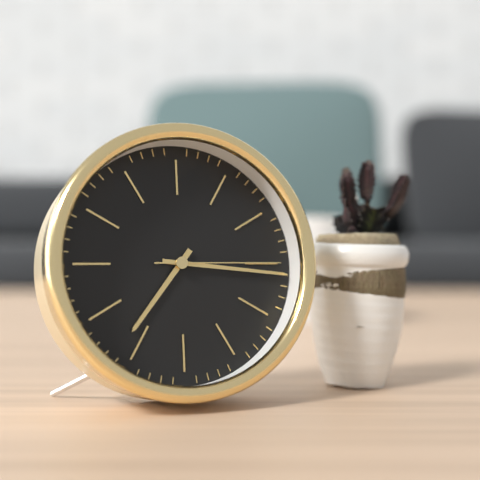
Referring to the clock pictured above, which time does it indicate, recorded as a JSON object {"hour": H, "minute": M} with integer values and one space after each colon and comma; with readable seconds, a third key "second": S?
{"hour": 7, "minute": 16, "second": 15}
